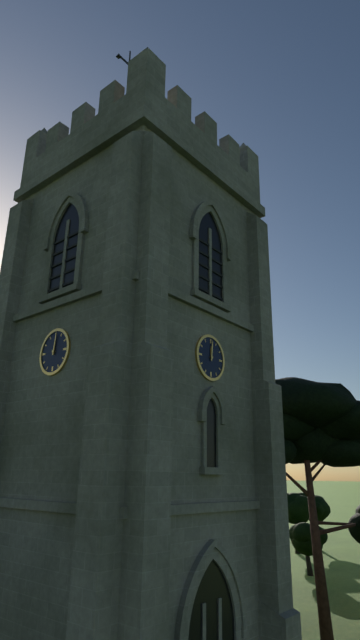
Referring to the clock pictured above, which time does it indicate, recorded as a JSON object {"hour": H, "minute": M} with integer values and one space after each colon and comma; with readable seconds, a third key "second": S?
{"hour": 12, "minute": 1}
